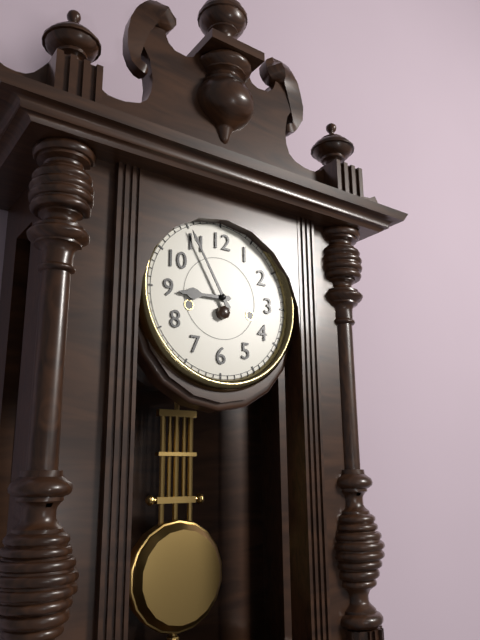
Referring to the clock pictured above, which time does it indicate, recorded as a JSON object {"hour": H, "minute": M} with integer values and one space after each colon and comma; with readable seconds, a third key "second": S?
{"hour": 8, "minute": 55}
